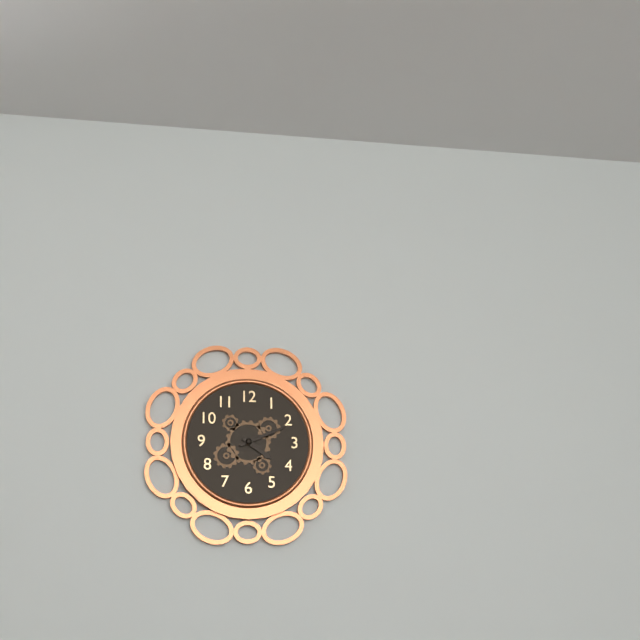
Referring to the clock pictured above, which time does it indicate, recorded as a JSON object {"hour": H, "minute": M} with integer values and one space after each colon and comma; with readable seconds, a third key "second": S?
{"hour": 4, "minute": 11}
